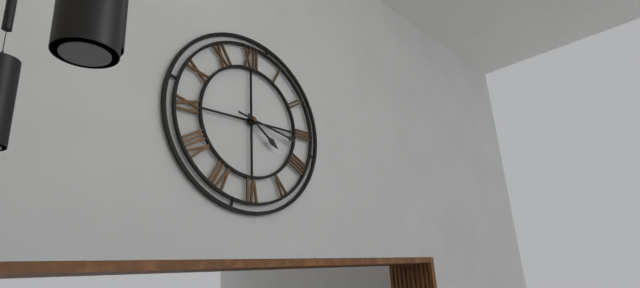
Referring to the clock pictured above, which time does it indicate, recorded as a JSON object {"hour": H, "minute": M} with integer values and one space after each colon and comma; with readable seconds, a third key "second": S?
{"hour": 4, "minute": 17}
